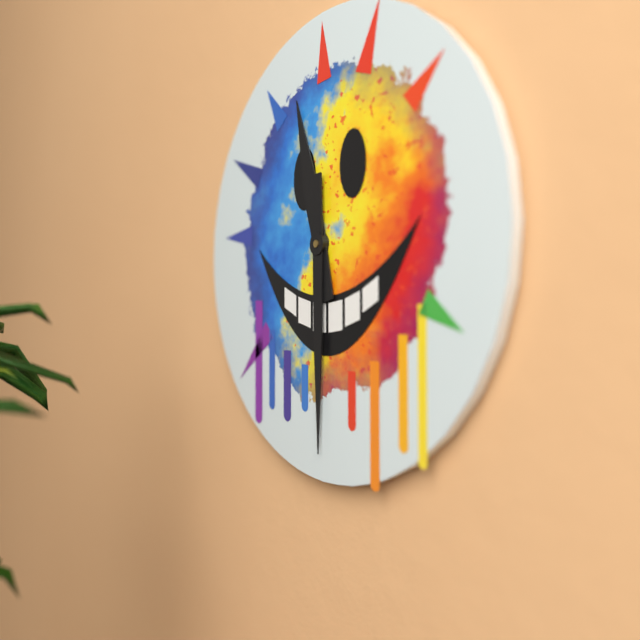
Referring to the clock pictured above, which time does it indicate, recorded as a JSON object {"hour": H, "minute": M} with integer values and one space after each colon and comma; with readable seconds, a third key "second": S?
{"hour": 11, "minute": 30}
